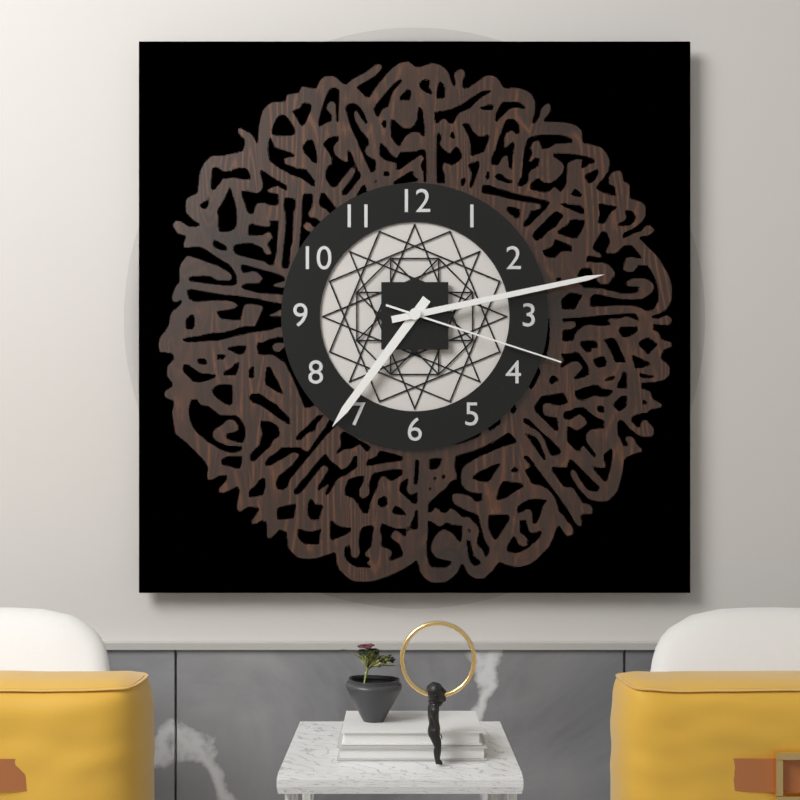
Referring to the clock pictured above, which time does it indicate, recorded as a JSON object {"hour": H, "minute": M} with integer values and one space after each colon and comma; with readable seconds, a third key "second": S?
{"hour": 7, "minute": 13, "second": 18}
